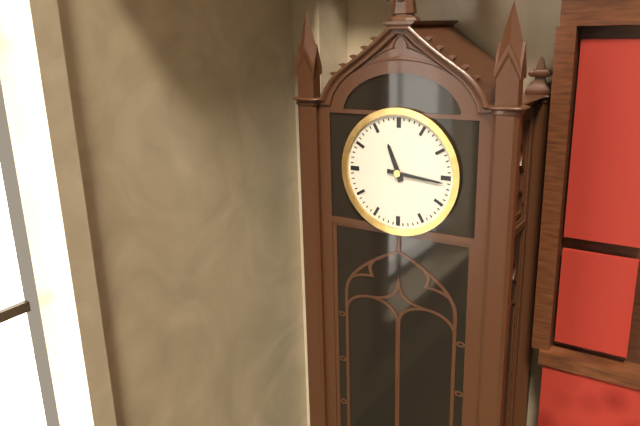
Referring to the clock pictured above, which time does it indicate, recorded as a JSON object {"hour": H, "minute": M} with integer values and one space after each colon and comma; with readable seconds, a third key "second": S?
{"hour": 11, "minute": 16}
